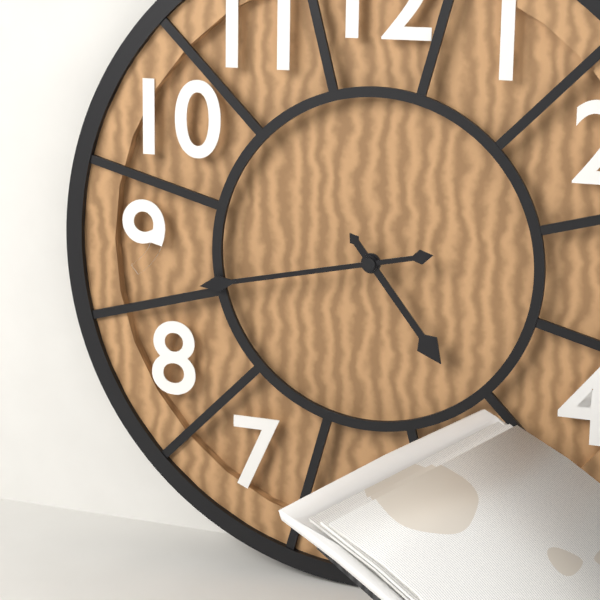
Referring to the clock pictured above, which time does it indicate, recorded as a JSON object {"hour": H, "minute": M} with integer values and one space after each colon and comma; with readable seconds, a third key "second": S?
{"hour": 4, "minute": 43}
